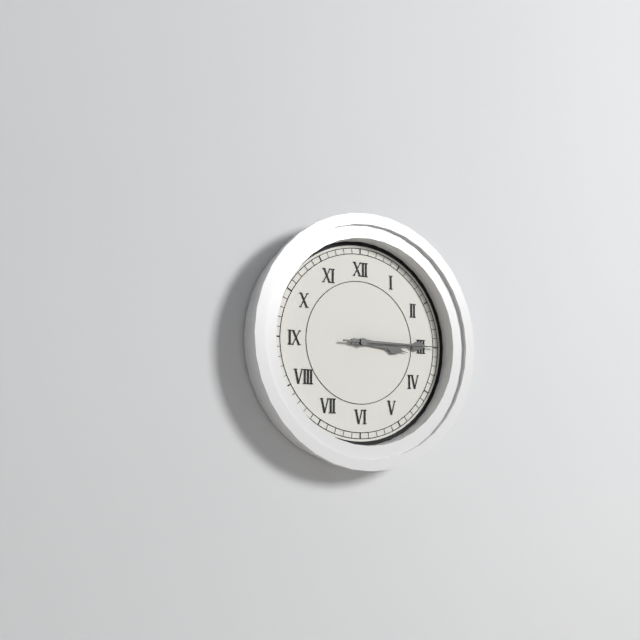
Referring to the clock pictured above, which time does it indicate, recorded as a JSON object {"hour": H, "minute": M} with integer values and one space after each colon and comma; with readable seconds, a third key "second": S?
{"hour": 3, "minute": 15, "second": 15}
